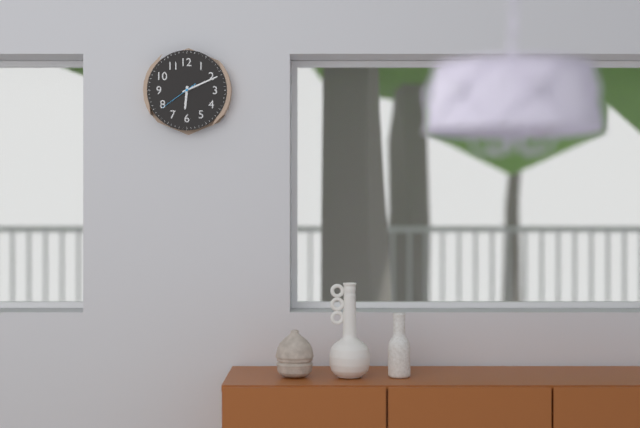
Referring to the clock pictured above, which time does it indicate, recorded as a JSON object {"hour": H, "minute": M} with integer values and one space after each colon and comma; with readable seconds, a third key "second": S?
{"hour": 6, "minute": 11}
